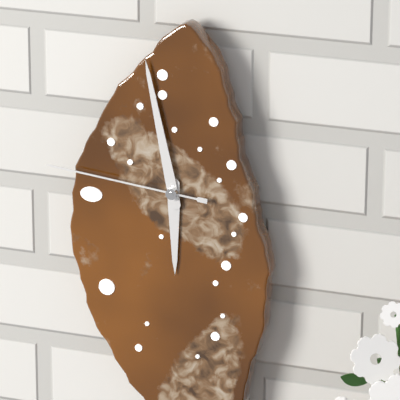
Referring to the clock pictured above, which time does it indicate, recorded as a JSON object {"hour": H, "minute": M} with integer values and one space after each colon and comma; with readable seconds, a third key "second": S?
{"hour": 5, "minute": 58, "second": 46}
